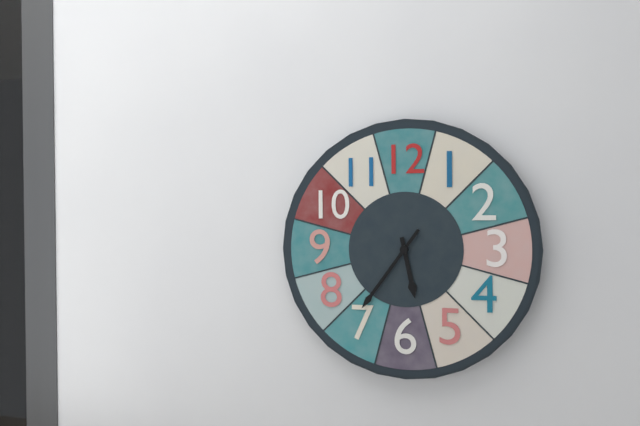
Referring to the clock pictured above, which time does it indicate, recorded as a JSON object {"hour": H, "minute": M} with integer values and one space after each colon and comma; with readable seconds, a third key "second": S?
{"hour": 5, "minute": 36}
